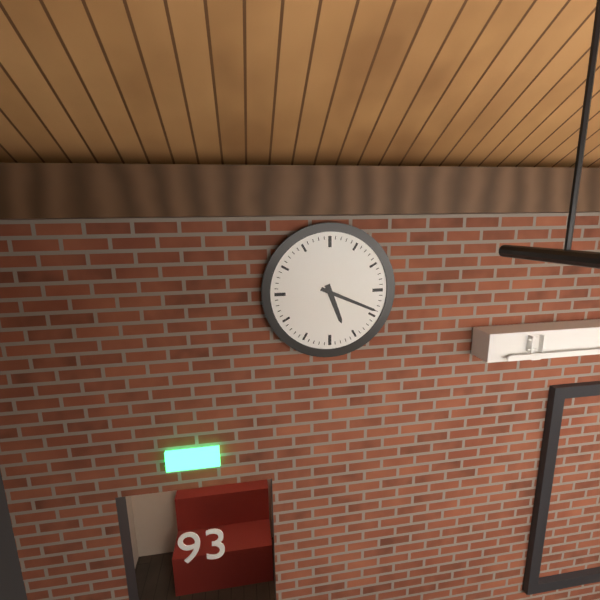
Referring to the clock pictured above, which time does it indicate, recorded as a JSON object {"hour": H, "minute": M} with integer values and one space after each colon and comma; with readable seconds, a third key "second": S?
{"hour": 5, "minute": 19}
